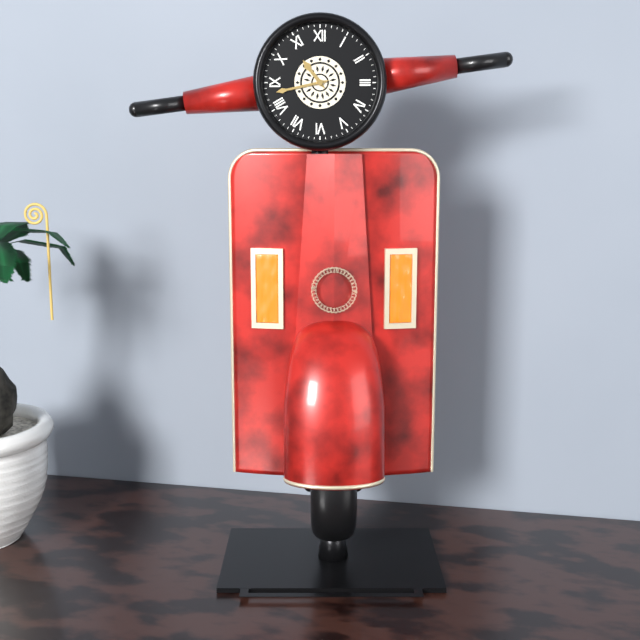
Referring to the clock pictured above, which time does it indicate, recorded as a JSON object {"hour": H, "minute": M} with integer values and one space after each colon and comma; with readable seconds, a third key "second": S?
{"hour": 10, "minute": 43}
